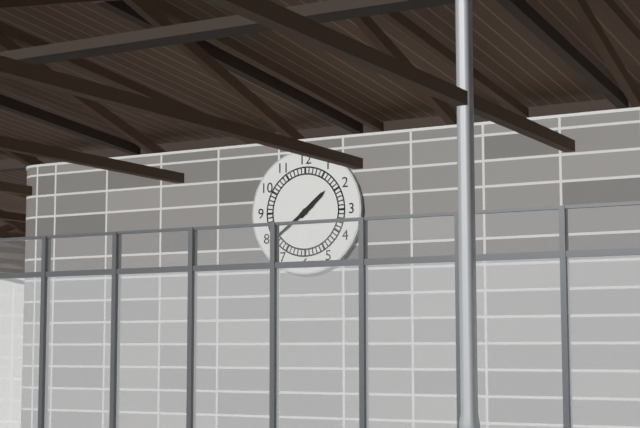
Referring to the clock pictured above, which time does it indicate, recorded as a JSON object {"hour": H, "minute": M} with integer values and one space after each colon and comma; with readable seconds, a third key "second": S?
{"hour": 1, "minute": 39}
